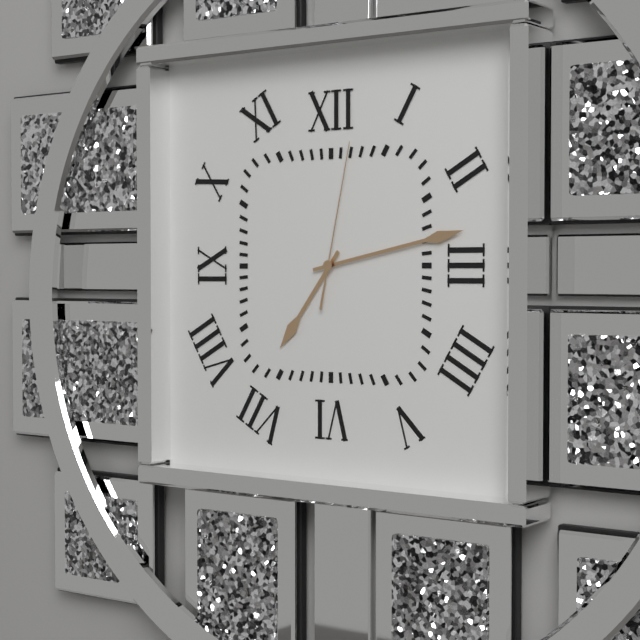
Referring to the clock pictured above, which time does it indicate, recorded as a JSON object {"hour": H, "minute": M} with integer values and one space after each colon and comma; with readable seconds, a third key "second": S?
{"hour": 7, "minute": 13, "second": 2}
